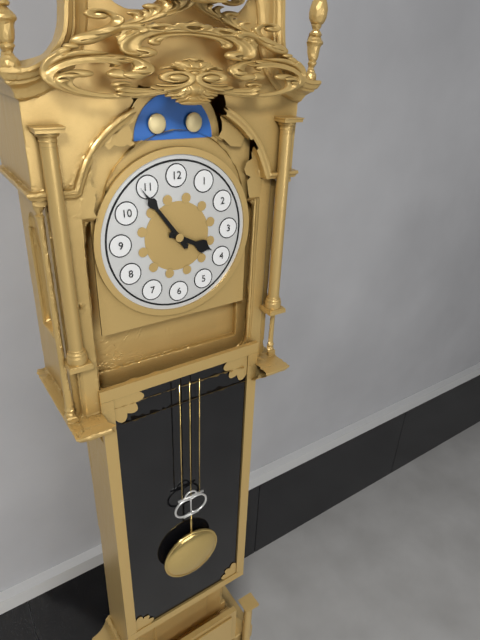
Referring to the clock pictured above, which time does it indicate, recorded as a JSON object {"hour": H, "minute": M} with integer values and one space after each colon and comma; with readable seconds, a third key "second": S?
{"hour": 3, "minute": 54}
